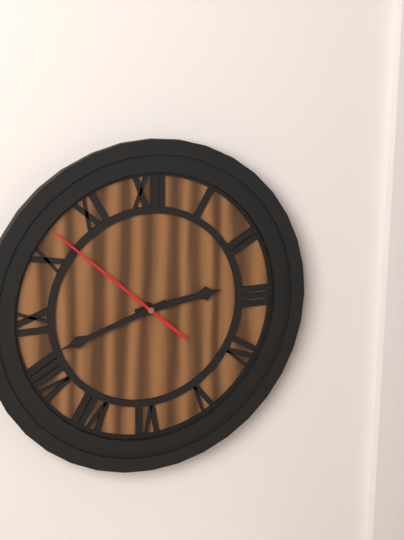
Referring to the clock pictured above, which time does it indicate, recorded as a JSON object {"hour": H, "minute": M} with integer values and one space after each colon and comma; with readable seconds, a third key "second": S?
{"hour": 2, "minute": 42, "second": 52}
